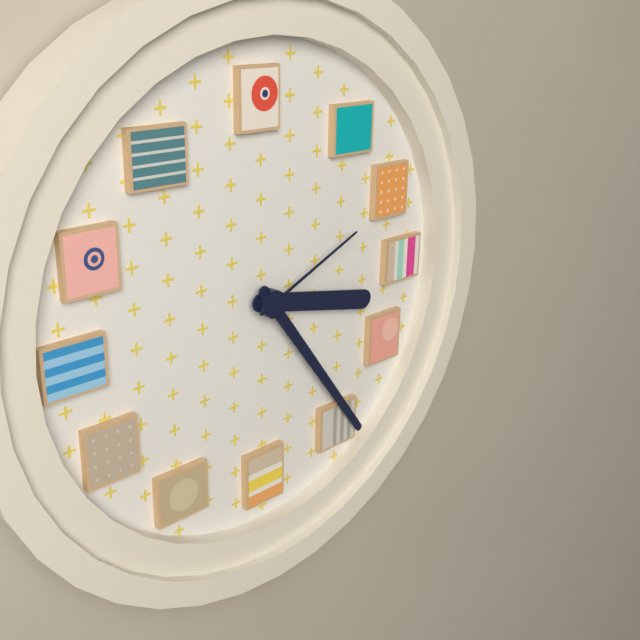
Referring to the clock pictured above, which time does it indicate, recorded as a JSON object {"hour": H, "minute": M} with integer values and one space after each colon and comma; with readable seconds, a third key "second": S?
{"hour": 3, "minute": 24, "second": 11}
